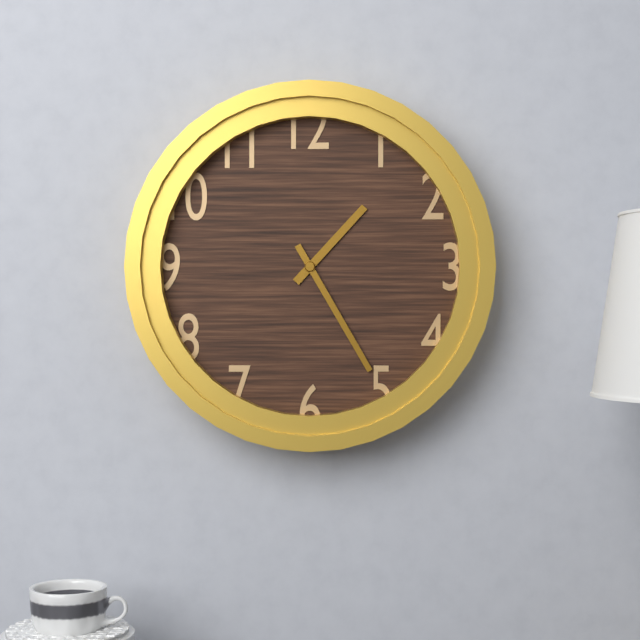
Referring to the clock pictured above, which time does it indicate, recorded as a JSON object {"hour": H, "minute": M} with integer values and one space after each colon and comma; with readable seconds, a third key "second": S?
{"hour": 1, "minute": 25}
